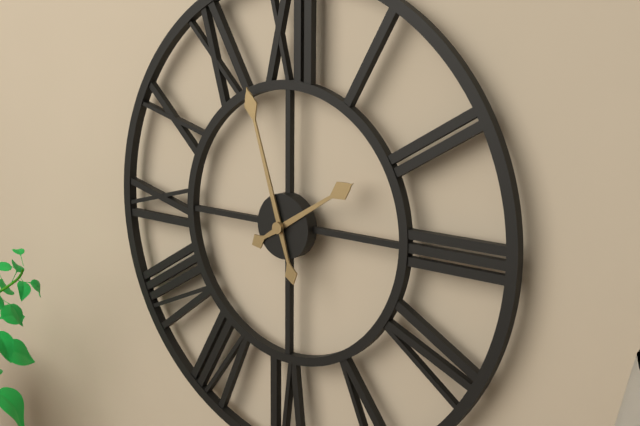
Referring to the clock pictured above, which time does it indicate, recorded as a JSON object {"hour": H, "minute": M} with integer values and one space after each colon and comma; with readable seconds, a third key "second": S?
{"hour": 1, "minute": 57}
